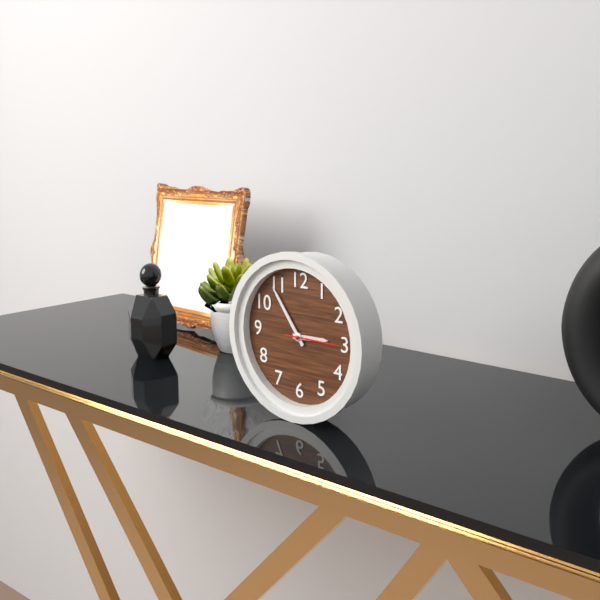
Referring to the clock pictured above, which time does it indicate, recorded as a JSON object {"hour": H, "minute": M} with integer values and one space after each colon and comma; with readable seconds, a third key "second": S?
{"hour": 2, "minute": 54, "second": 15}
